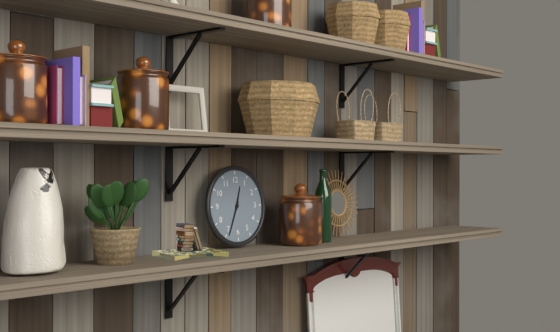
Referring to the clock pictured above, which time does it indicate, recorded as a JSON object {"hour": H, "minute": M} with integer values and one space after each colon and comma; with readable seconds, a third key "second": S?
{"hour": 12, "minute": 34}
